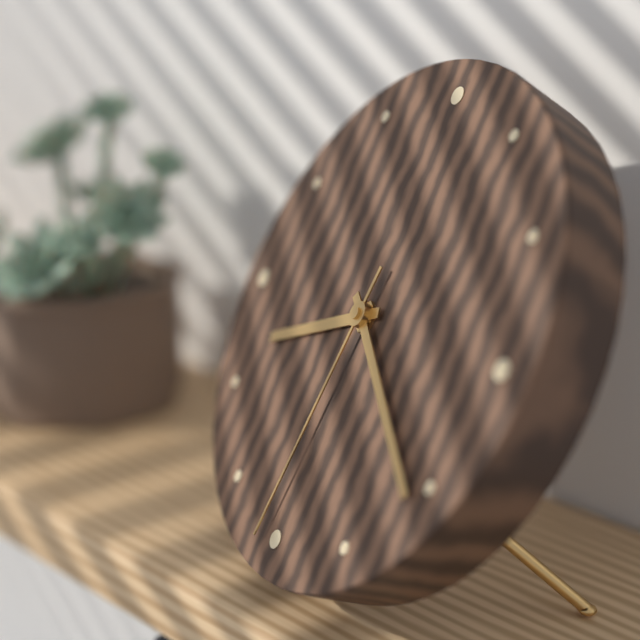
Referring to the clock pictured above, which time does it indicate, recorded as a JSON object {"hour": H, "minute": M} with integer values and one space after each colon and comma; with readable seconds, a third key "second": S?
{"hour": 8, "minute": 21, "second": 31}
